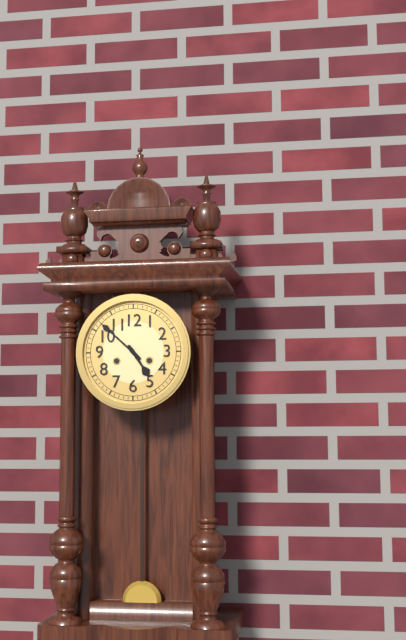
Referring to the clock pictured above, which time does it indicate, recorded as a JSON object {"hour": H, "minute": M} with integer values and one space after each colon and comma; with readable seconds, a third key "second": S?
{"hour": 4, "minute": 52}
